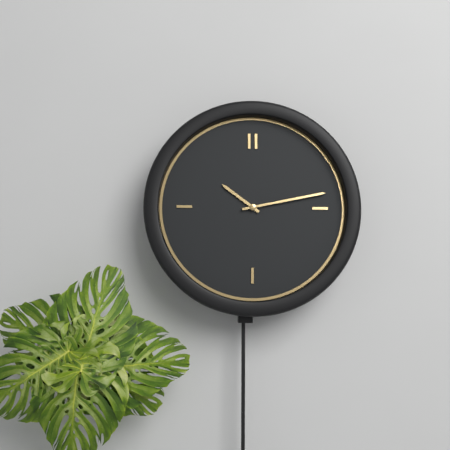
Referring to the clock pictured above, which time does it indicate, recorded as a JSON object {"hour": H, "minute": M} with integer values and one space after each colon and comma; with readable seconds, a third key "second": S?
{"hour": 10, "minute": 13}
